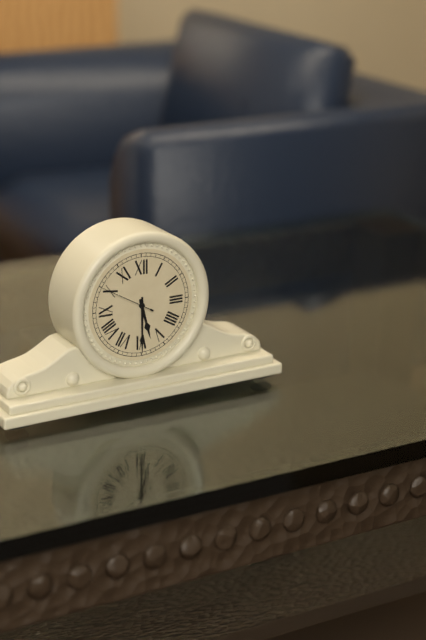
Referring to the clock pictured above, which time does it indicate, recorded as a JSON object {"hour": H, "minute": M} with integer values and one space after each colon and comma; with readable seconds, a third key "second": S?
{"hour": 5, "minute": 30, "second": 50}
